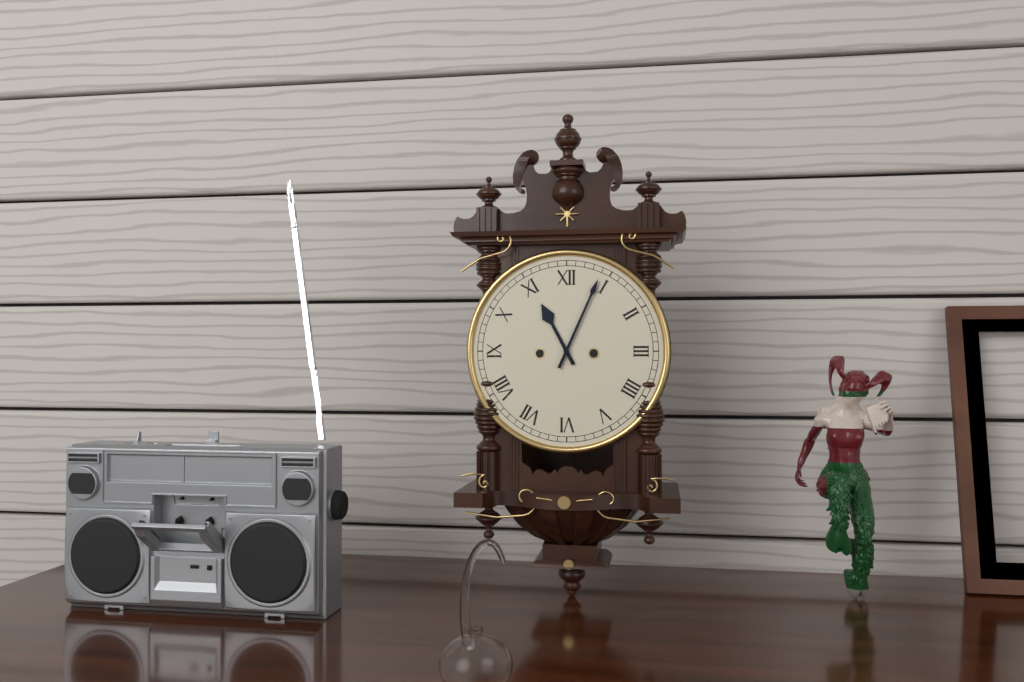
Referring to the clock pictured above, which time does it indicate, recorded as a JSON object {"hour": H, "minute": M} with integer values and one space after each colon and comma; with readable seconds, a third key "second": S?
{"hour": 11, "minute": 4}
